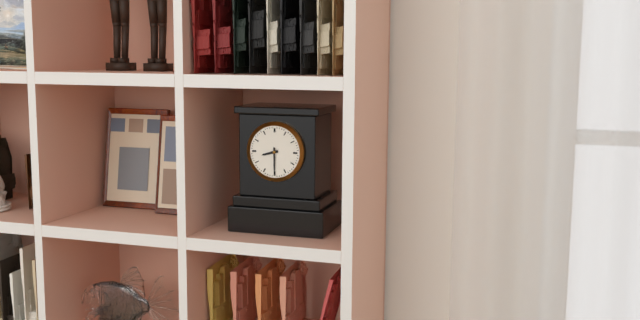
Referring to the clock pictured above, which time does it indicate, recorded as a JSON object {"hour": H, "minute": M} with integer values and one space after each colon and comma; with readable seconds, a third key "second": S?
{"hour": 8, "minute": 30}
